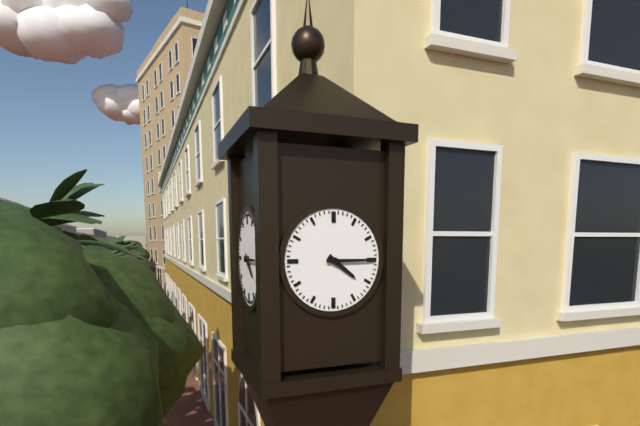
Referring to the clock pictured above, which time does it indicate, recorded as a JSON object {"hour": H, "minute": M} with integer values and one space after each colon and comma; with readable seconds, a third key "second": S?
{"hour": 4, "minute": 15}
